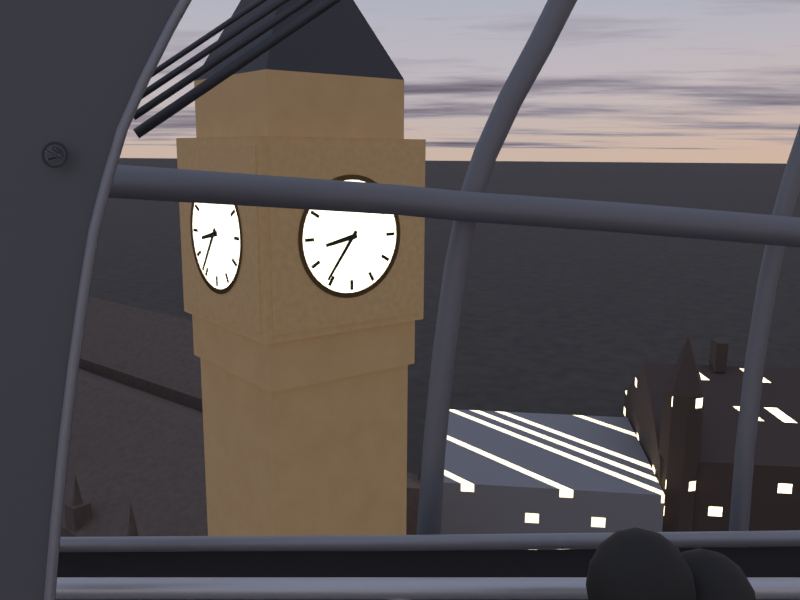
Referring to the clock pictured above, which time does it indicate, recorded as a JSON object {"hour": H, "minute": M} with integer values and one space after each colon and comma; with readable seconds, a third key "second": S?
{"hour": 8, "minute": 36}
